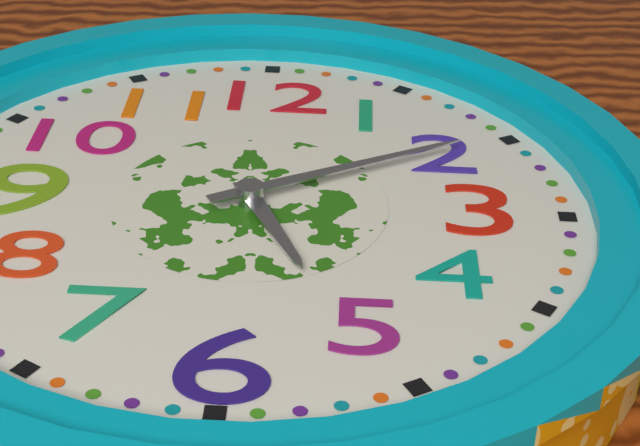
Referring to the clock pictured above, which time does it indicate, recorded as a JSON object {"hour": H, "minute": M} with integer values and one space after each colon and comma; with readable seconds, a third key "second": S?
{"hour": 5, "minute": 10}
